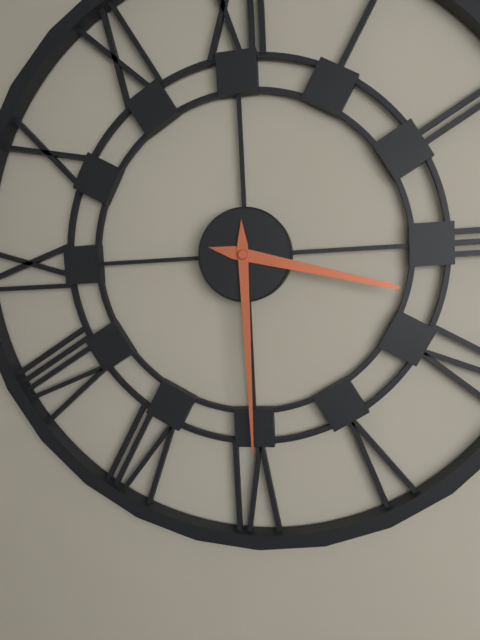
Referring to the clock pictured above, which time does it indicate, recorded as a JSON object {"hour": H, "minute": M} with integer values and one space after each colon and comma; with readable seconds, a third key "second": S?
{"hour": 3, "minute": 30}
